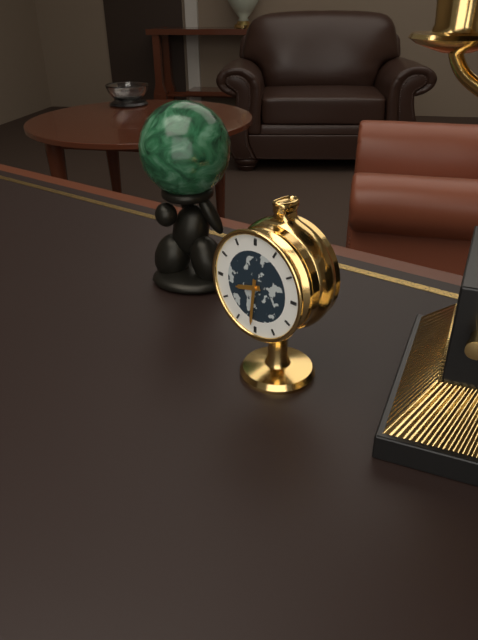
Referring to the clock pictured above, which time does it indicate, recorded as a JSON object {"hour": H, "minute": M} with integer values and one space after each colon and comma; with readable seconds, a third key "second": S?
{"hour": 8, "minute": 31}
